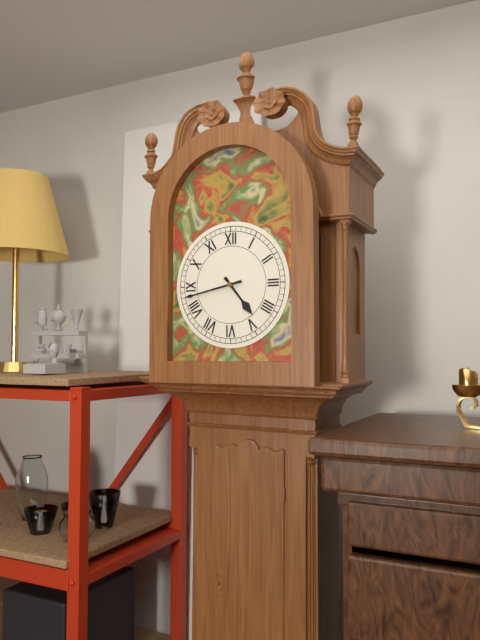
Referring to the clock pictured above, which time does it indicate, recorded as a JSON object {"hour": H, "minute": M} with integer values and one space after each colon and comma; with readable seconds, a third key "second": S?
{"hour": 4, "minute": 43}
